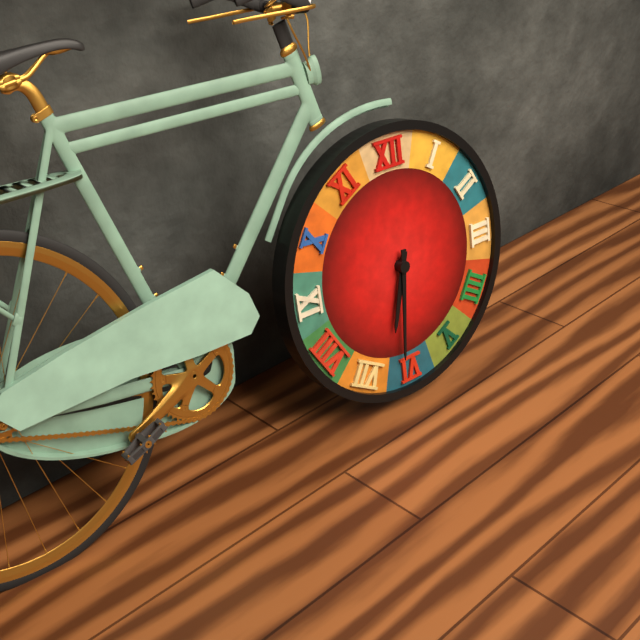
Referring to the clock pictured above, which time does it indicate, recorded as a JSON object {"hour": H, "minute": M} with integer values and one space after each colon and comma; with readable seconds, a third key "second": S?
{"hour": 6, "minute": 31}
